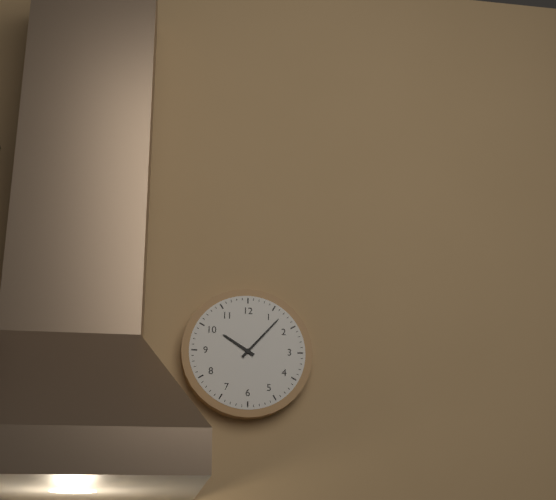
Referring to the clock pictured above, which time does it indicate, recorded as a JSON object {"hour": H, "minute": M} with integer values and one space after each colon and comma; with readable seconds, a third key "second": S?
{"hour": 10, "minute": 7}
